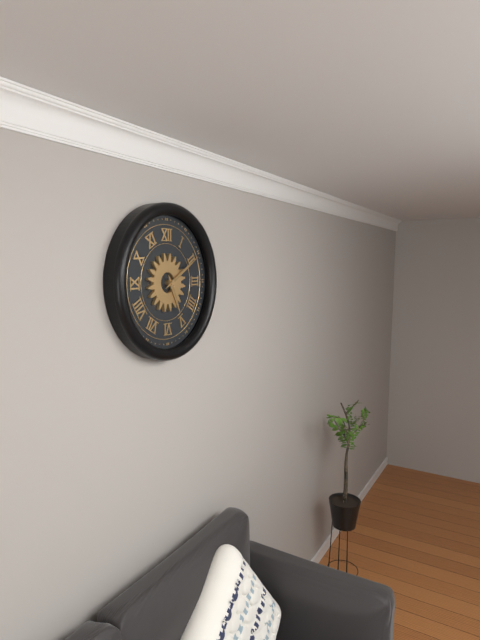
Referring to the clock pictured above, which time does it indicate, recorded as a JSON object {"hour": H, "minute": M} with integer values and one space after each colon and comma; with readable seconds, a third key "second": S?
{"hour": 5, "minute": 10}
